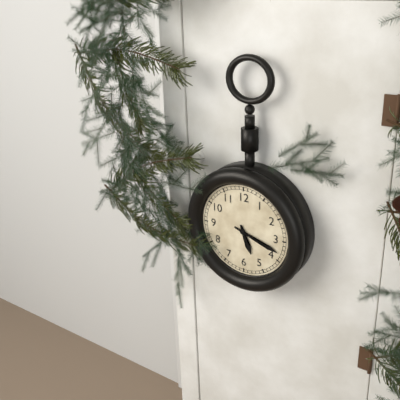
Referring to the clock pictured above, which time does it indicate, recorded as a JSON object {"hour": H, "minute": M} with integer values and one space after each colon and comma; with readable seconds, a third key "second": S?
{"hour": 5, "minute": 18}
